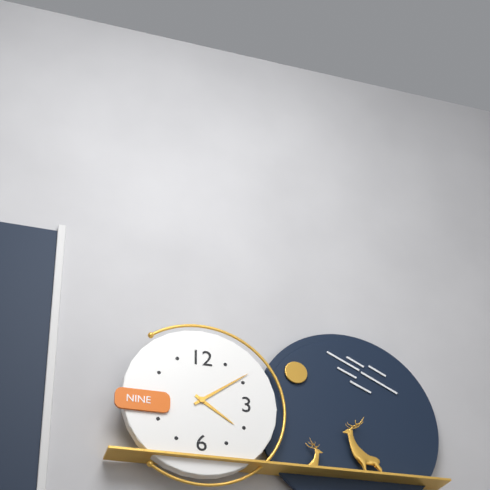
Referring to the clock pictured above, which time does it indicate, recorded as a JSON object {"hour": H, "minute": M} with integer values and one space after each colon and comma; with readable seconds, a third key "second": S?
{"hour": 4, "minute": 9}
